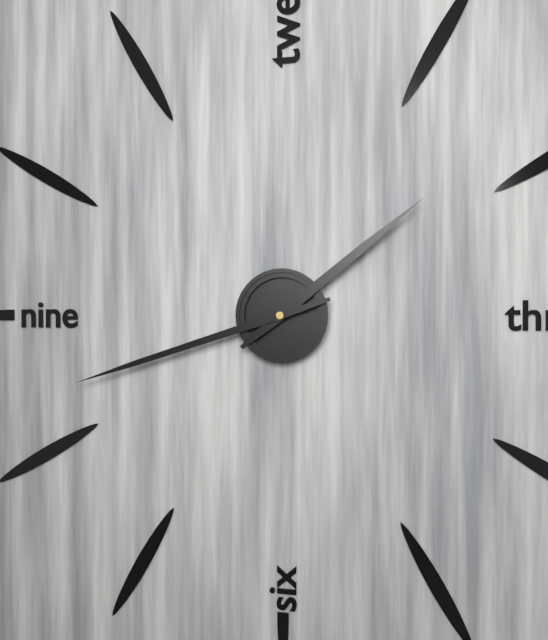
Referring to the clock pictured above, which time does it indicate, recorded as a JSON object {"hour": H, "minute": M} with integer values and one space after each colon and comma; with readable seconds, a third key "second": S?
{"hour": 1, "minute": 42}
